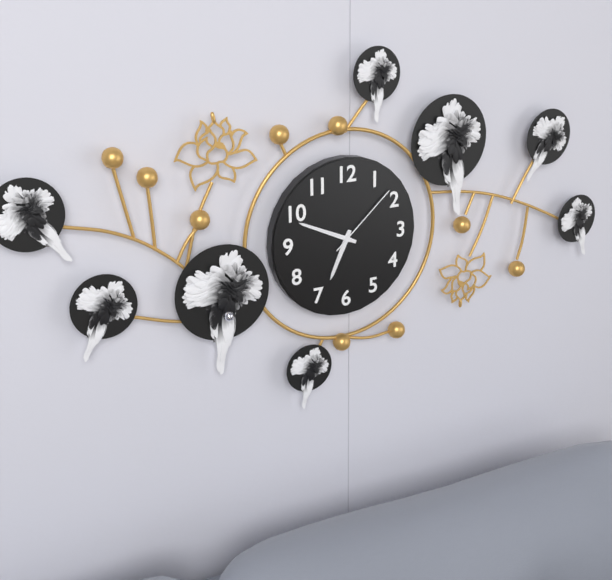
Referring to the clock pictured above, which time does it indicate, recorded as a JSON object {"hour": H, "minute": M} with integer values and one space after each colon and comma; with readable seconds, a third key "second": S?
{"hour": 6, "minute": 49, "second": 8}
